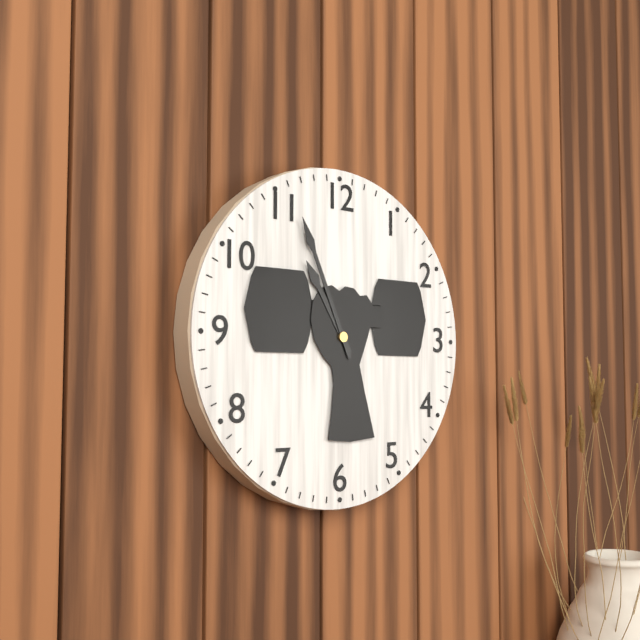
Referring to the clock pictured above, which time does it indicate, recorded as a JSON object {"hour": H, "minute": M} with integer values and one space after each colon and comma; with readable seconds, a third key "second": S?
{"hour": 10, "minute": 56}
